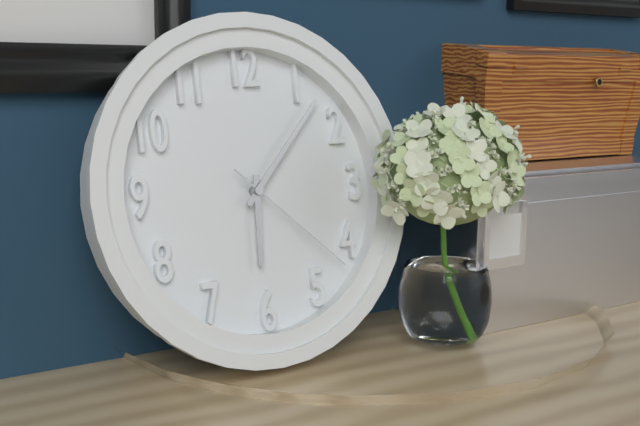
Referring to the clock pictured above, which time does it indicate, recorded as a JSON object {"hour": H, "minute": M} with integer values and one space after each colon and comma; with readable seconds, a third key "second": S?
{"hour": 6, "minute": 7, "second": 22}
